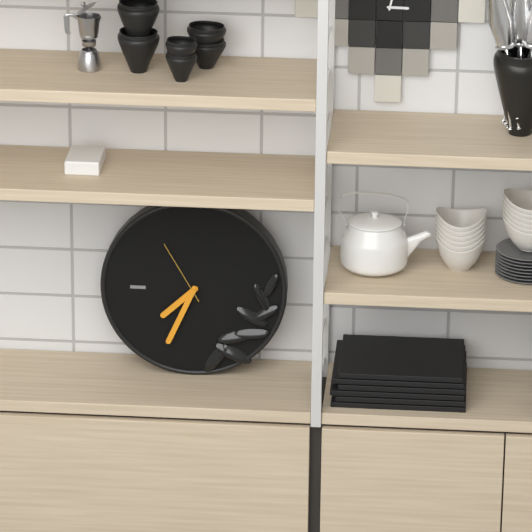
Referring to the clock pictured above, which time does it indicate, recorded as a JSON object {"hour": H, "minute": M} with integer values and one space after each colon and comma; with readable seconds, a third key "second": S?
{"hour": 7, "minute": 34, "second": 55}
